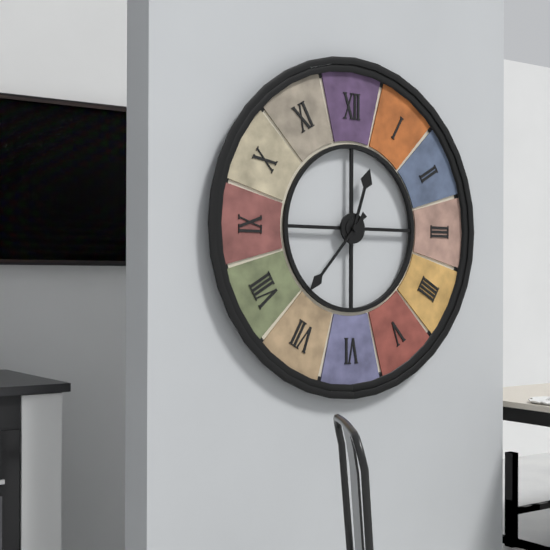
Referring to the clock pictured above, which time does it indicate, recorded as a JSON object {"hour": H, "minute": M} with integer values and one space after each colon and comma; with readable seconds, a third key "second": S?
{"hour": 12, "minute": 37}
